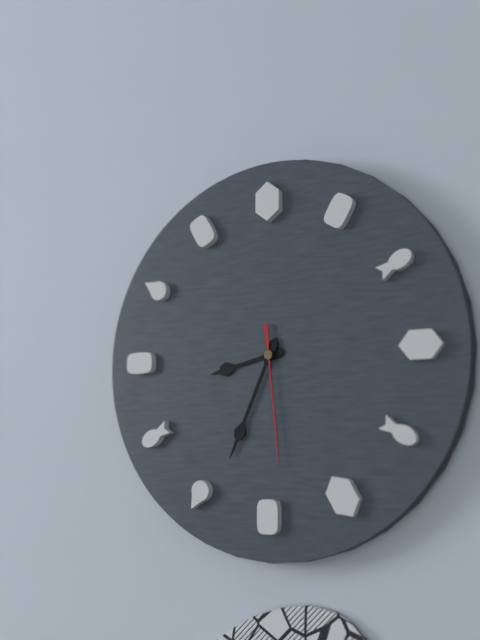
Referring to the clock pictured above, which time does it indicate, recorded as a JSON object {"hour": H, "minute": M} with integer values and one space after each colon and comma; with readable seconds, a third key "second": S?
{"hour": 8, "minute": 34, "second": 29}
